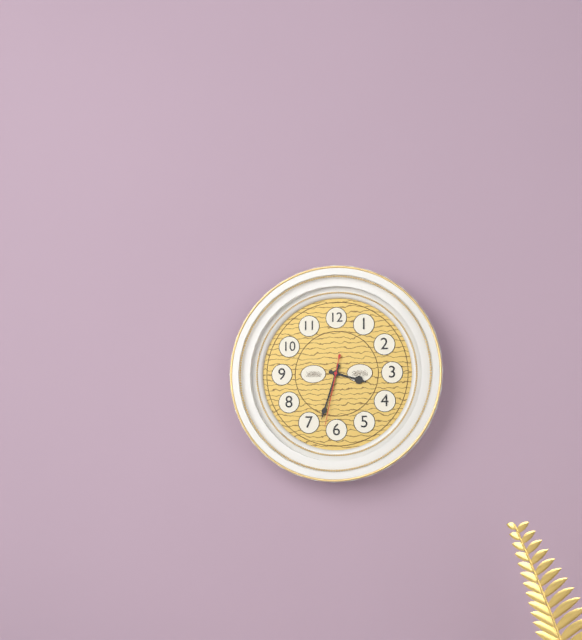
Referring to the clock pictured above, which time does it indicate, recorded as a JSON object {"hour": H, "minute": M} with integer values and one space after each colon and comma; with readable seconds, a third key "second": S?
{"hour": 3, "minute": 33, "second": 32}
